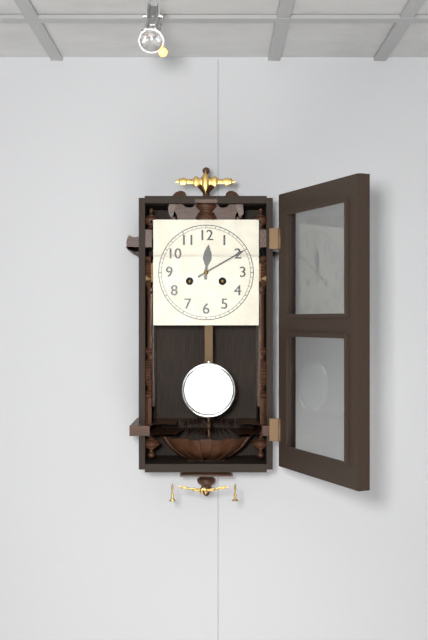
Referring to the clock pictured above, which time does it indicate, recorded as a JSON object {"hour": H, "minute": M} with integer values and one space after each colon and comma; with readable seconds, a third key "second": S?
{"hour": 12, "minute": 10}
